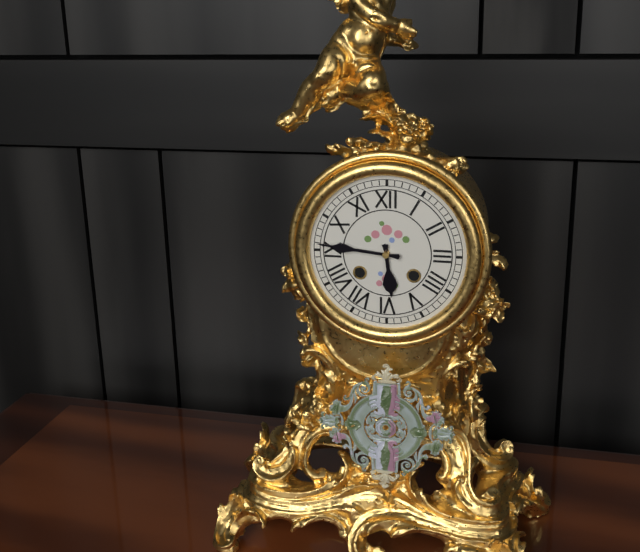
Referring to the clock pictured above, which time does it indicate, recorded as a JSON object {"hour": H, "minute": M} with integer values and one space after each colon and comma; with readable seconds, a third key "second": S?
{"hour": 5, "minute": 46}
